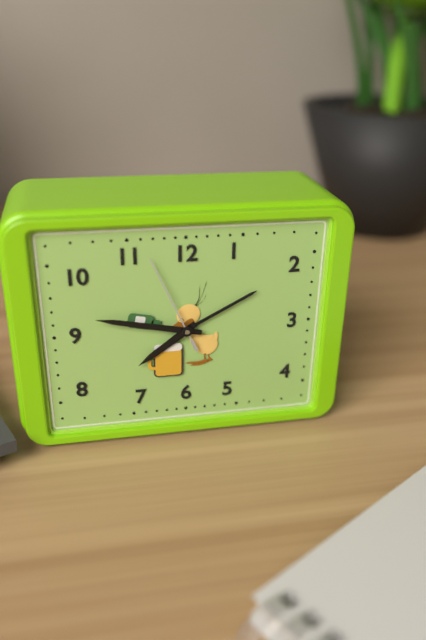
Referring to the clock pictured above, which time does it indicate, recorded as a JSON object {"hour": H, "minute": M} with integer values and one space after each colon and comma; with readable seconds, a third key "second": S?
{"hour": 7, "minute": 47, "second": 56}
